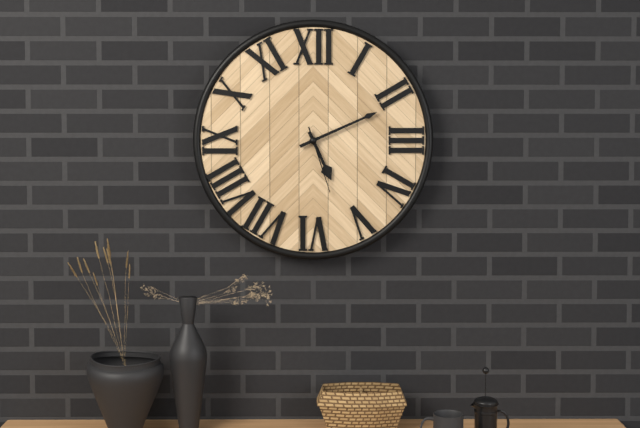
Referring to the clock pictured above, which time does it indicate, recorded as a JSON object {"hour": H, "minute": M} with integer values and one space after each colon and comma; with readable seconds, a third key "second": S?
{"hour": 5, "minute": 11, "second": 27}
